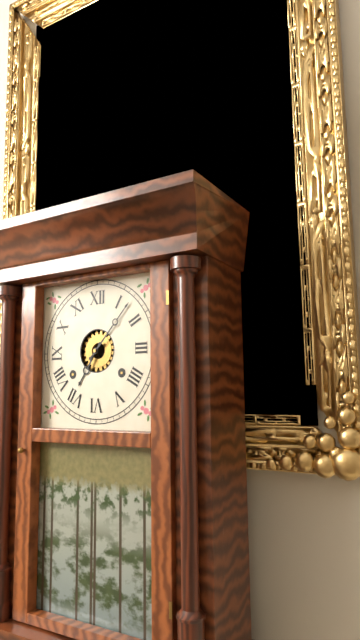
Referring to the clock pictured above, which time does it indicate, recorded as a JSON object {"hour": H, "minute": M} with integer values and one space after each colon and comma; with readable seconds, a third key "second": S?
{"hour": 7, "minute": 7}
